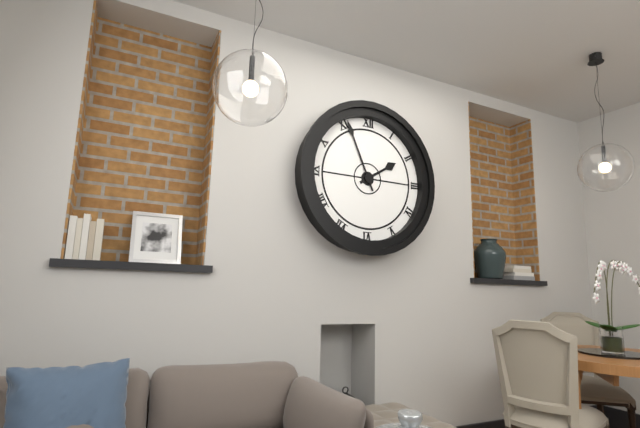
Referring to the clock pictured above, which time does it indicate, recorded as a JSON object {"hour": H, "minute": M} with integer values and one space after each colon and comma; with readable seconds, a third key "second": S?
{"hour": 1, "minute": 56}
